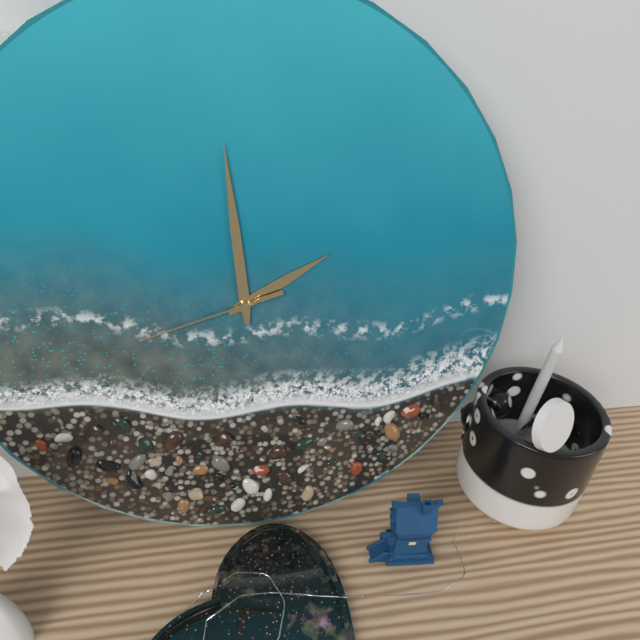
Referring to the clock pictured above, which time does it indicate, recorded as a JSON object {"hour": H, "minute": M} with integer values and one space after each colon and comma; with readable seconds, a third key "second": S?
{"hour": 1, "minute": 59, "second": 42}
